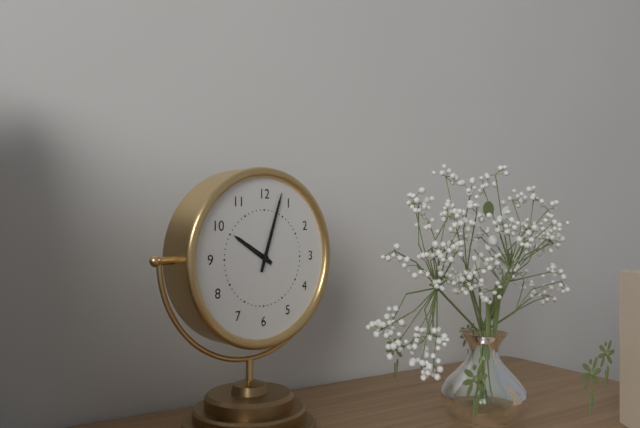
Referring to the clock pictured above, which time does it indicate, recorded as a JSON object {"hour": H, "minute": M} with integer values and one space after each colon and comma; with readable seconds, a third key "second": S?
{"hour": 10, "minute": 3}
